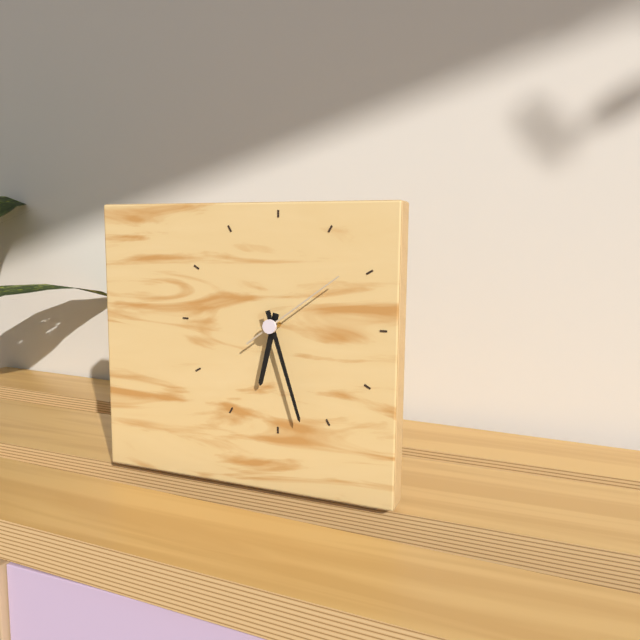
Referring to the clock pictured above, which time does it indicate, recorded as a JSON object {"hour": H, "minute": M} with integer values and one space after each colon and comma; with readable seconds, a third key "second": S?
{"hour": 6, "minute": 27, "second": 9}
